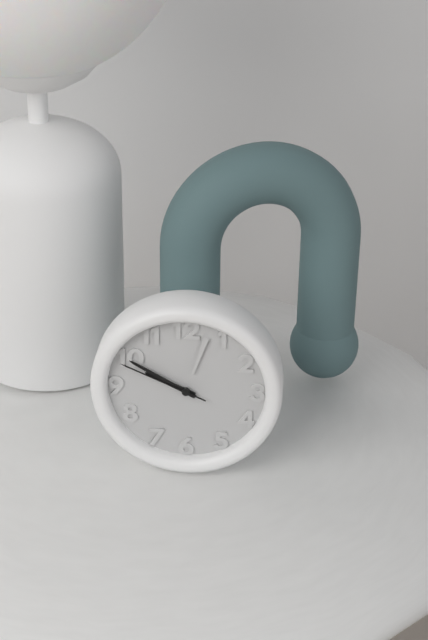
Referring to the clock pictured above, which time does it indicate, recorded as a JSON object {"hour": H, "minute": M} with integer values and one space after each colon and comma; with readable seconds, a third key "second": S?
{"hour": 9, "minute": 50, "second": 49}
